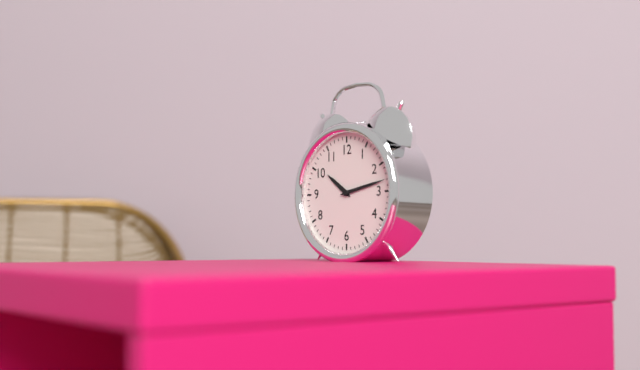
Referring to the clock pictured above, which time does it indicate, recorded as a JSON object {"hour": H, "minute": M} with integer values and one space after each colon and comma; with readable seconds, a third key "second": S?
{"hour": 10, "minute": 13}
